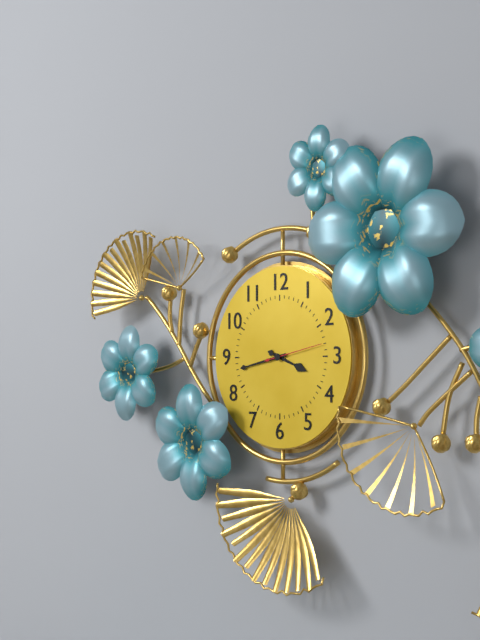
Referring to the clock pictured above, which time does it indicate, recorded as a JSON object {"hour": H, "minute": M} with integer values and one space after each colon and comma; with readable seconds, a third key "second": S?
{"hour": 3, "minute": 43, "second": 13}
